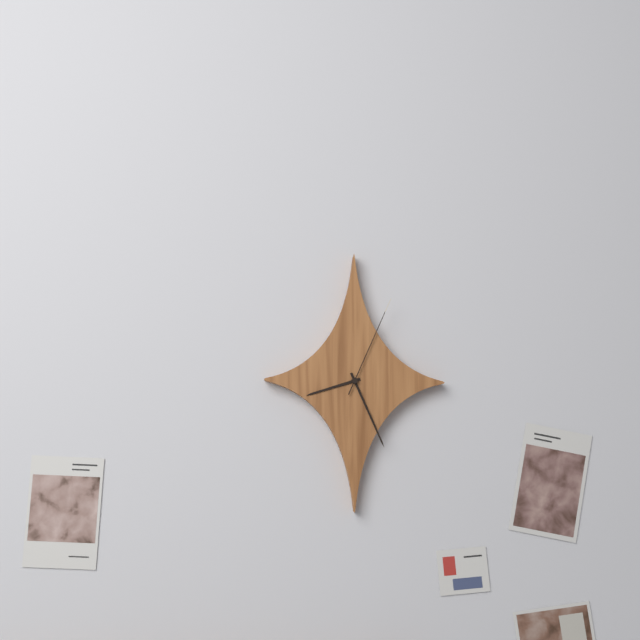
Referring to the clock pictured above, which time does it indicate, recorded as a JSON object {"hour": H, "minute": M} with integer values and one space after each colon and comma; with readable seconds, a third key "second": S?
{"hour": 8, "minute": 26, "second": 4}
